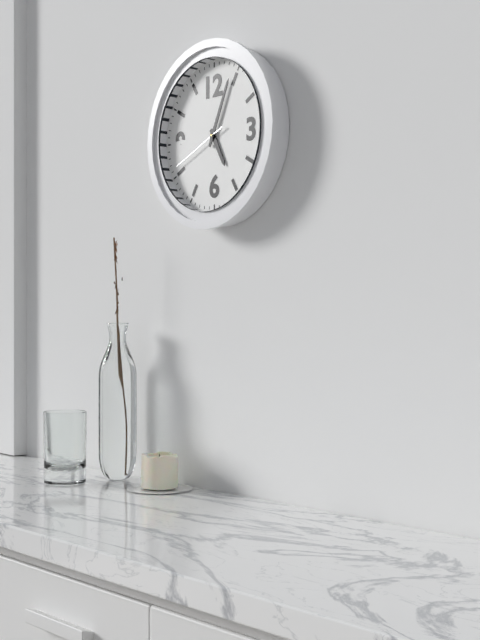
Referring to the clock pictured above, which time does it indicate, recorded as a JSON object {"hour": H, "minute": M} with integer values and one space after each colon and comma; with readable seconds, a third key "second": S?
{"hour": 5, "minute": 4, "second": 41}
